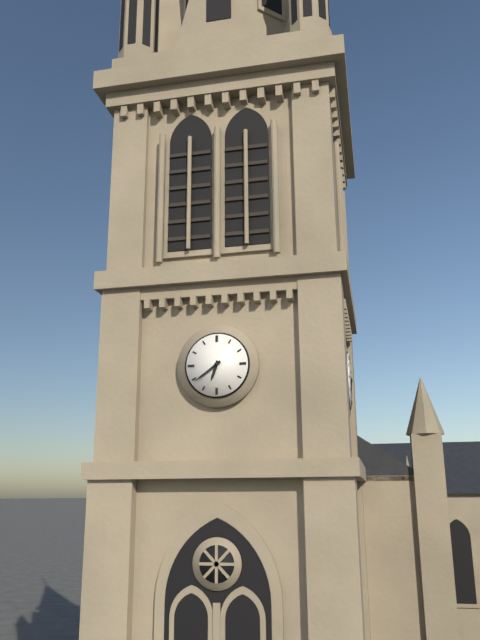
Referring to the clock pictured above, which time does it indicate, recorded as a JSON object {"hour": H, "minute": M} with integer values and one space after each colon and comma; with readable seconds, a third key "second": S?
{"hour": 6, "minute": 39}
